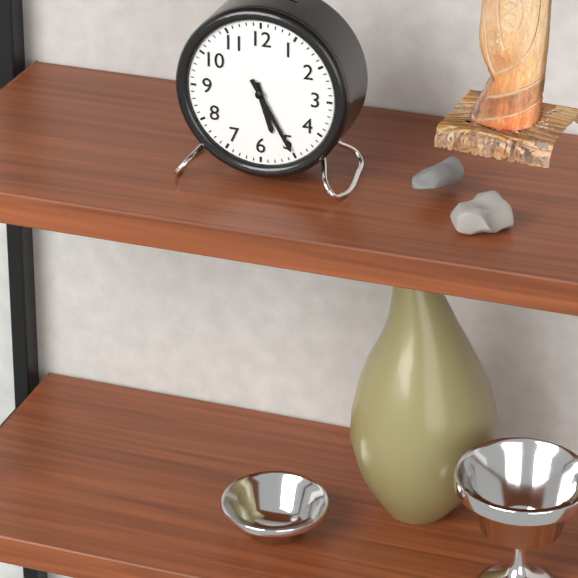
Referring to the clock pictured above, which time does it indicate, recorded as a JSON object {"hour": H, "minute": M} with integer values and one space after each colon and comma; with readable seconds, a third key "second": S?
{"hour": 5, "minute": 25}
